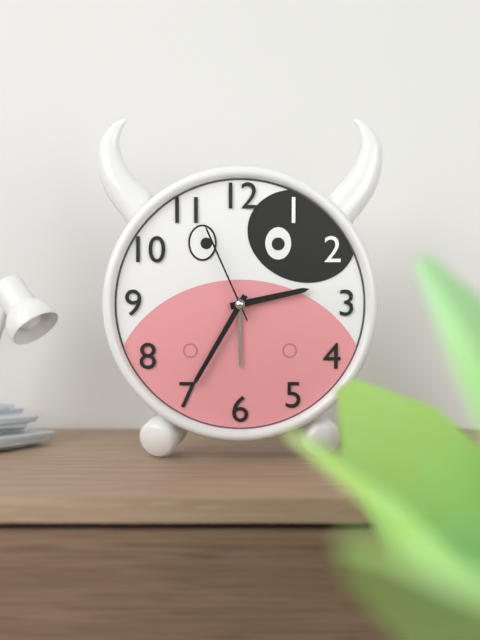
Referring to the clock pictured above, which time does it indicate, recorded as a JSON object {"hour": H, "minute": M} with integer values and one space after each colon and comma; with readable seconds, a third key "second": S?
{"hour": 2, "minute": 35, "second": 56}
